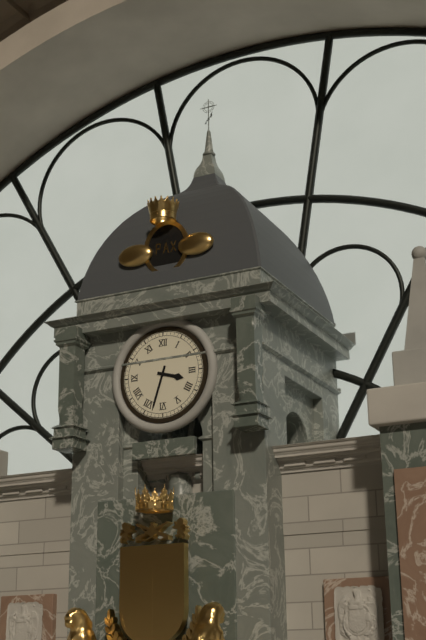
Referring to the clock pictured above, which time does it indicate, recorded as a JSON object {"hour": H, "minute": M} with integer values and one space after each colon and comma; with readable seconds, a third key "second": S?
{"hour": 3, "minute": 33}
